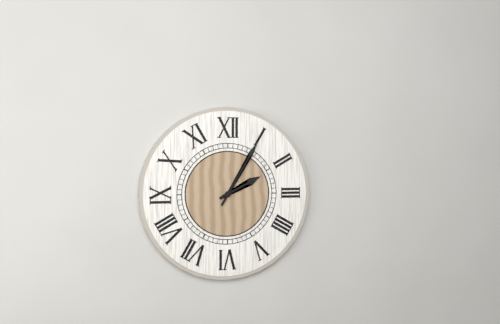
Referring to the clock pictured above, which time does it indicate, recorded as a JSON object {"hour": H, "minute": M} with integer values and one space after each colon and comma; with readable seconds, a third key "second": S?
{"hour": 2, "minute": 5}
